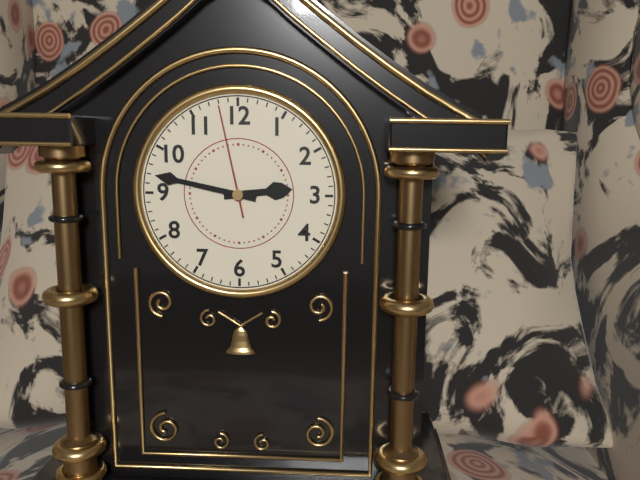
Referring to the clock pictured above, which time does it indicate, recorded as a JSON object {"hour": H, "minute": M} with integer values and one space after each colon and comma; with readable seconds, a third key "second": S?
{"hour": 2, "minute": 47, "second": 58}
